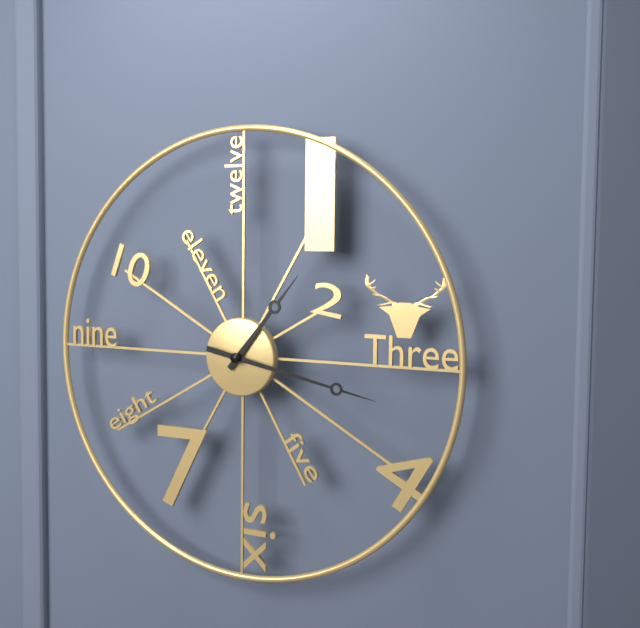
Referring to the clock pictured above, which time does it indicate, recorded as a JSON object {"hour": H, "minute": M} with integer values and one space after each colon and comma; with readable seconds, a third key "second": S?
{"hour": 1, "minute": 17}
